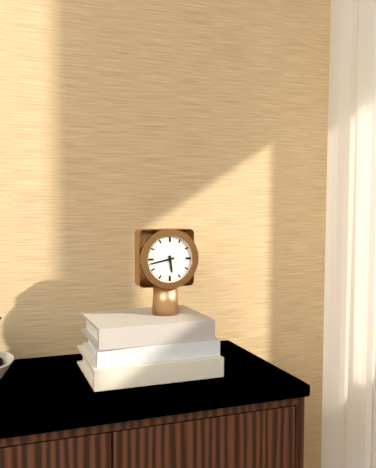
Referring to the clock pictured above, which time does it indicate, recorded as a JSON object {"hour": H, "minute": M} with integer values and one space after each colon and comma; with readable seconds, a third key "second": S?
{"hour": 5, "minute": 43}
